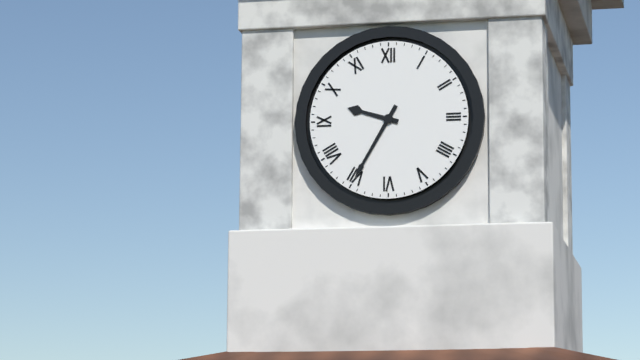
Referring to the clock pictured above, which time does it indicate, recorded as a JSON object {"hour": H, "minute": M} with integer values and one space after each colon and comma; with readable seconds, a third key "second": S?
{"hour": 9, "minute": 35}
